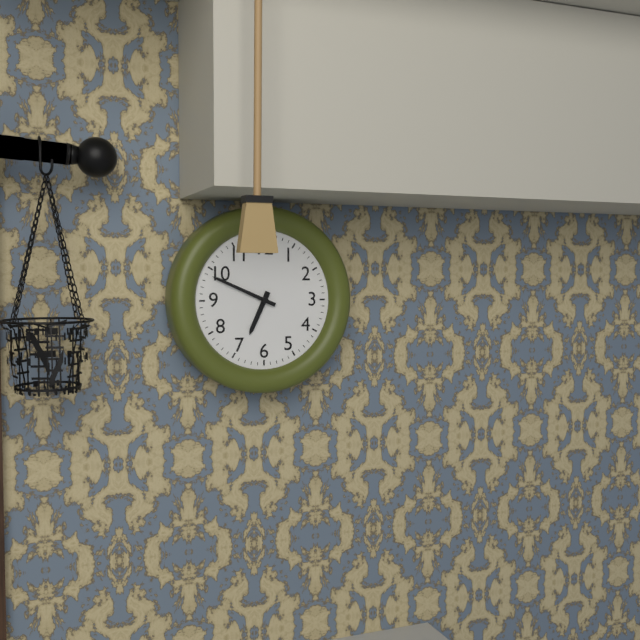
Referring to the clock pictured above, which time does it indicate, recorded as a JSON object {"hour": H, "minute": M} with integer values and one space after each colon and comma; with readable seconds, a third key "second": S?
{"hour": 6, "minute": 49}
